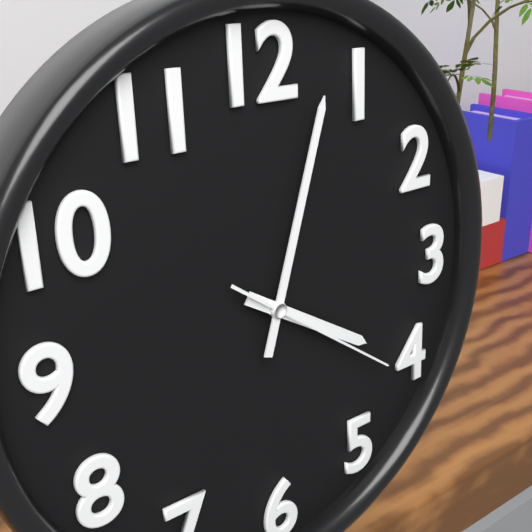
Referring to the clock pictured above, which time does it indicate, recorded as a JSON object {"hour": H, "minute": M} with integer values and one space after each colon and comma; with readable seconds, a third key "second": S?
{"hour": 4, "minute": 3, "second": 21}
